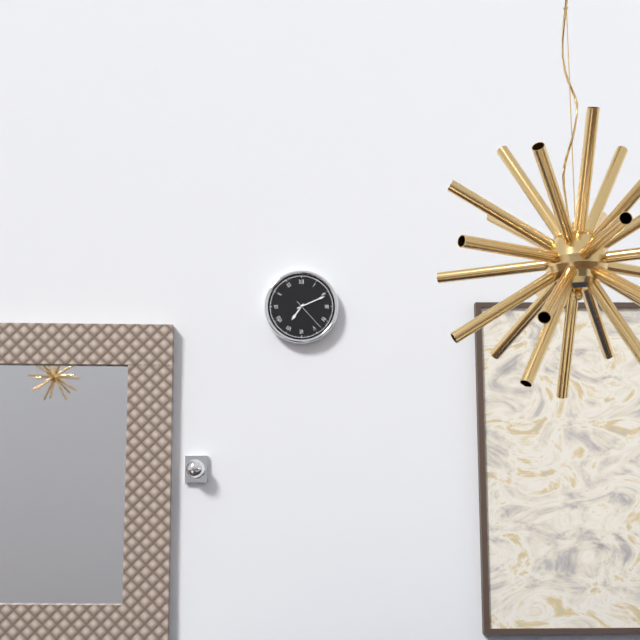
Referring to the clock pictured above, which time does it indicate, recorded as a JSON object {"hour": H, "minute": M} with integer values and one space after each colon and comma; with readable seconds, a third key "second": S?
{"hour": 7, "minute": 11}
